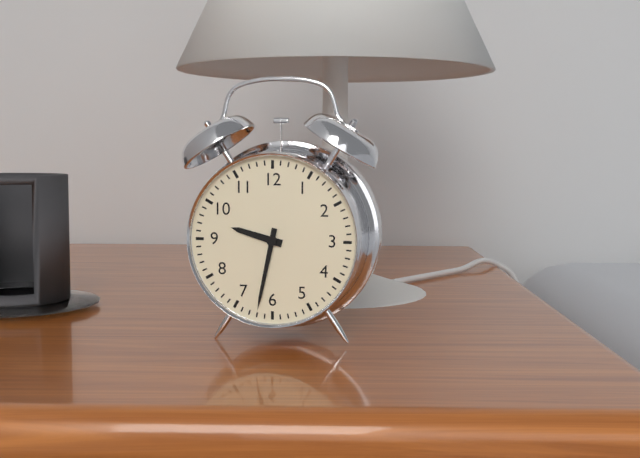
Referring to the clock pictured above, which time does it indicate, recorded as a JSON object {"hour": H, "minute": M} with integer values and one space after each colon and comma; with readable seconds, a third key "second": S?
{"hour": 9, "minute": 32}
